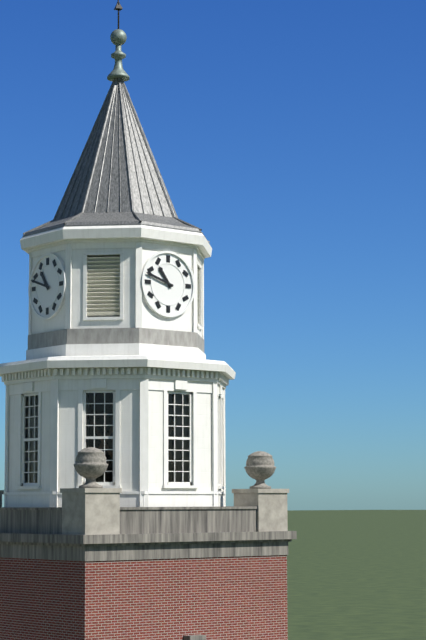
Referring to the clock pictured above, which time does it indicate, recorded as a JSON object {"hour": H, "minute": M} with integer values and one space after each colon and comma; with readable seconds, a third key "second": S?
{"hour": 10, "minute": 48}
